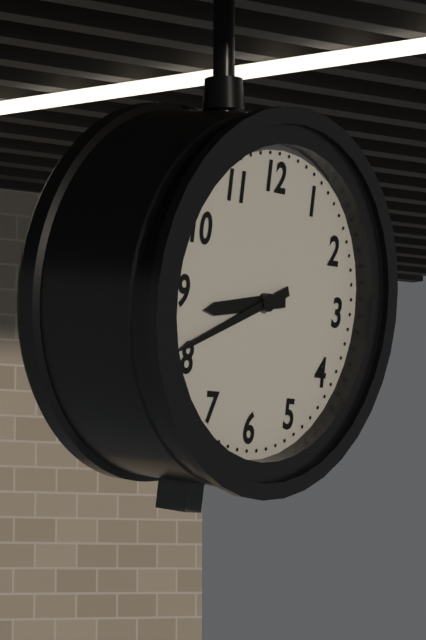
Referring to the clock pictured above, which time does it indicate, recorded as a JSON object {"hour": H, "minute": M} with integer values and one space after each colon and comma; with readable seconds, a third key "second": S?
{"hour": 8, "minute": 41}
